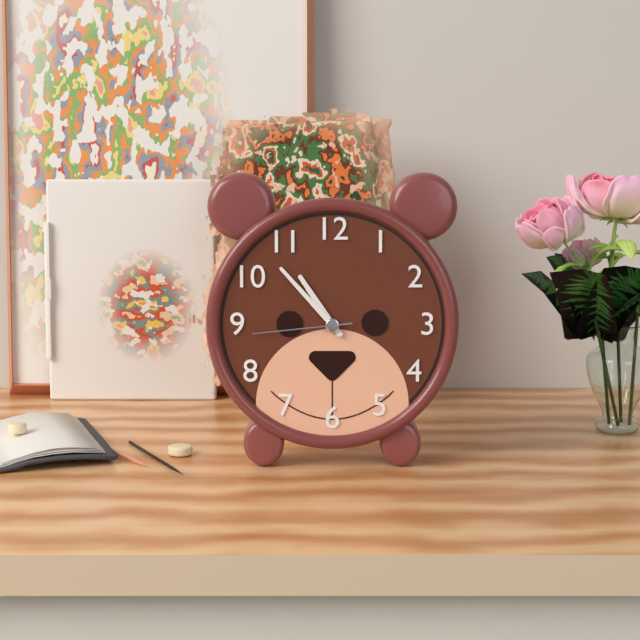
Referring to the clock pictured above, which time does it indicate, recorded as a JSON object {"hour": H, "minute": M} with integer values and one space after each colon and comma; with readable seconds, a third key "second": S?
{"hour": 10, "minute": 53, "second": 44}
